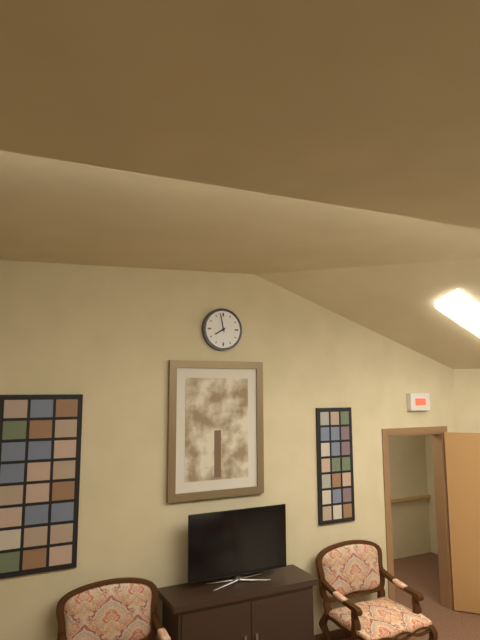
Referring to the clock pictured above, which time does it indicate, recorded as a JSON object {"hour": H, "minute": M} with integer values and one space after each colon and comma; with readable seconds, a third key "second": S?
{"hour": 7, "minute": 58}
